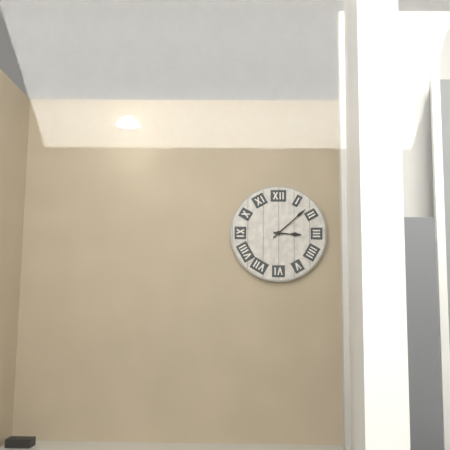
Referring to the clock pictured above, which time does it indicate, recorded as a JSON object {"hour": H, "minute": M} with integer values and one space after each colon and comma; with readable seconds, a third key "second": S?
{"hour": 3, "minute": 8}
